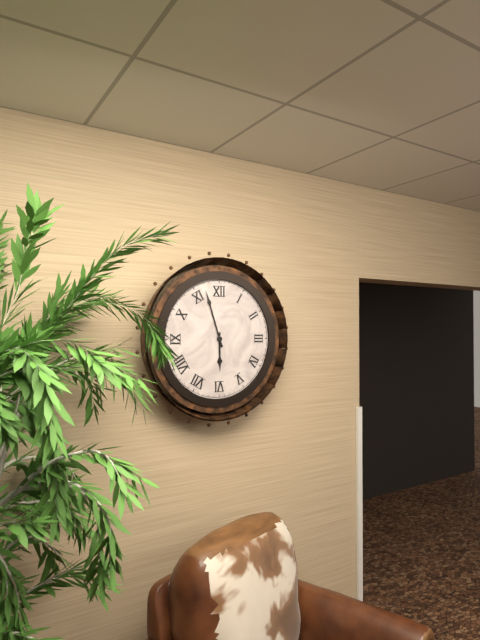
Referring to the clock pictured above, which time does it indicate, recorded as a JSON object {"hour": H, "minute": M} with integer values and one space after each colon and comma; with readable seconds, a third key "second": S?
{"hour": 5, "minute": 57}
